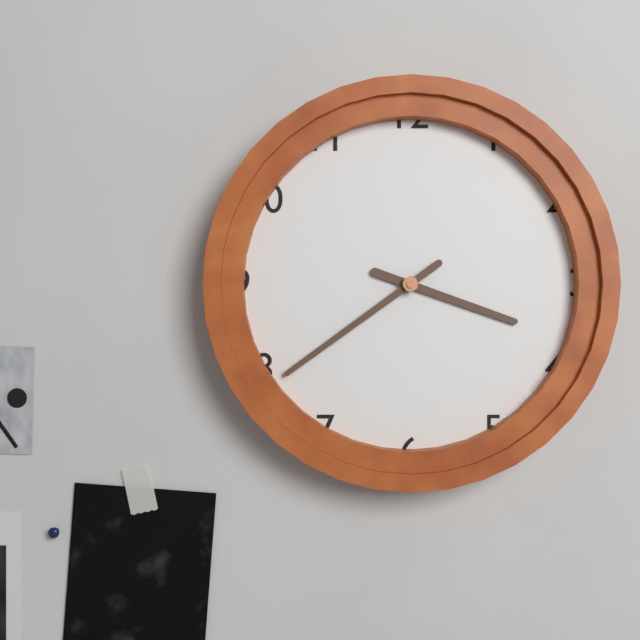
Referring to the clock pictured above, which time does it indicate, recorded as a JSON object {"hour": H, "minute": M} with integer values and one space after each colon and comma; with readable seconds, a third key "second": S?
{"hour": 3, "minute": 39}
